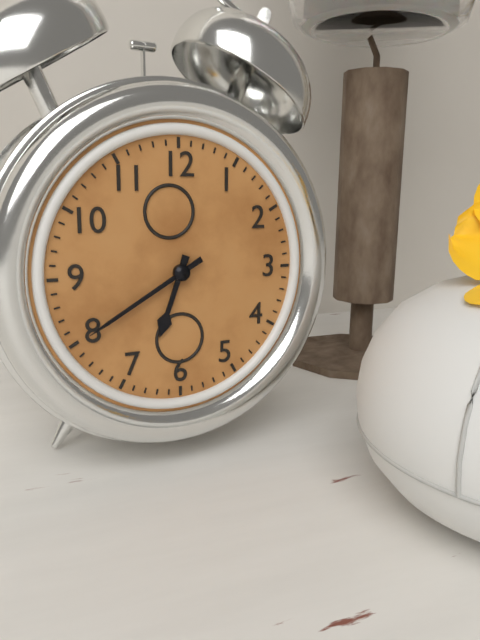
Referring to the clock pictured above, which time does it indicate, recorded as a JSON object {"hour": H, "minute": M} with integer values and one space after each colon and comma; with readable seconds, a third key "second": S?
{"hour": 6, "minute": 40}
